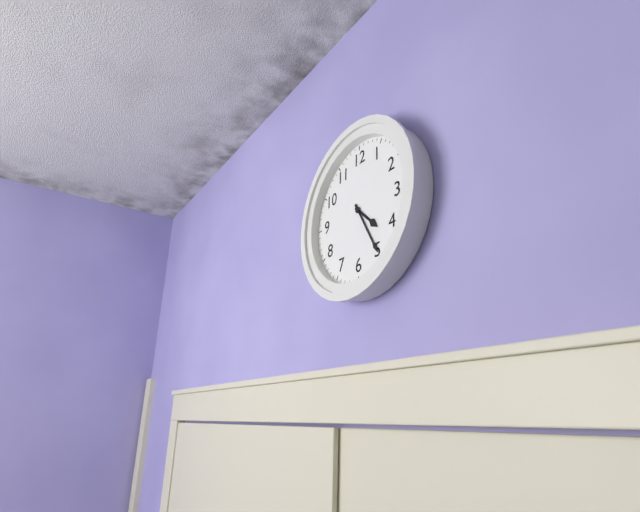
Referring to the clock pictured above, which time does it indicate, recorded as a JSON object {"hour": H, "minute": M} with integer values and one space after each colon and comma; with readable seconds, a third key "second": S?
{"hour": 4, "minute": 25}
